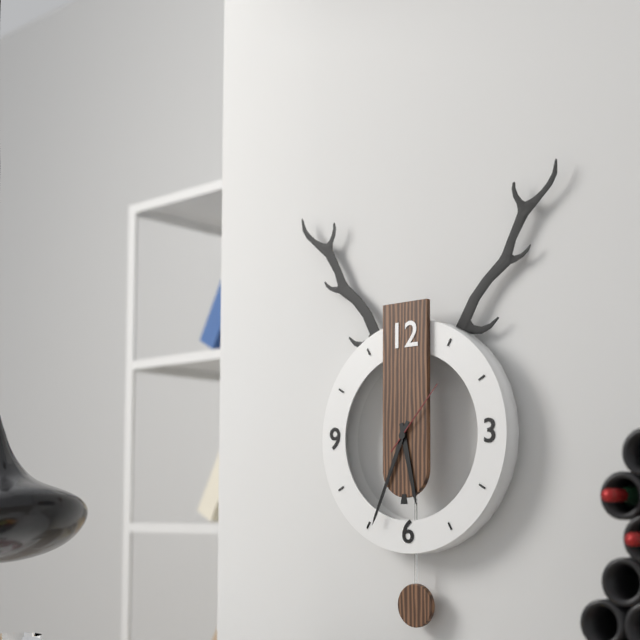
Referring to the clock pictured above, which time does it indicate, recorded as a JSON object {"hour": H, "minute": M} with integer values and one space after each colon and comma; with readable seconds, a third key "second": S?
{"hour": 5, "minute": 34, "second": 7}
